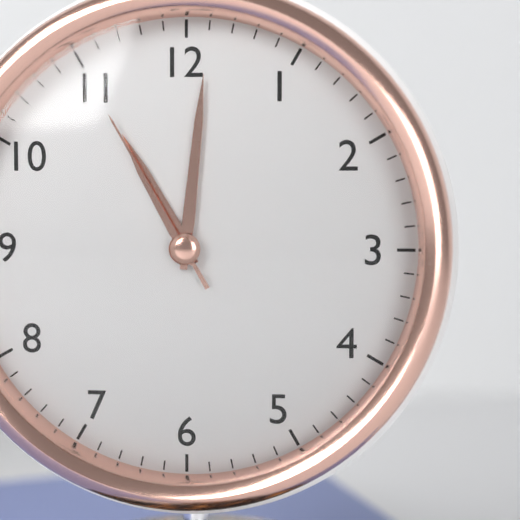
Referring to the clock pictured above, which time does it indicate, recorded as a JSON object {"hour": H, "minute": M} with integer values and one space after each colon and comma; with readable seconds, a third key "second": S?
{"hour": 11, "minute": 1, "second": 55}
